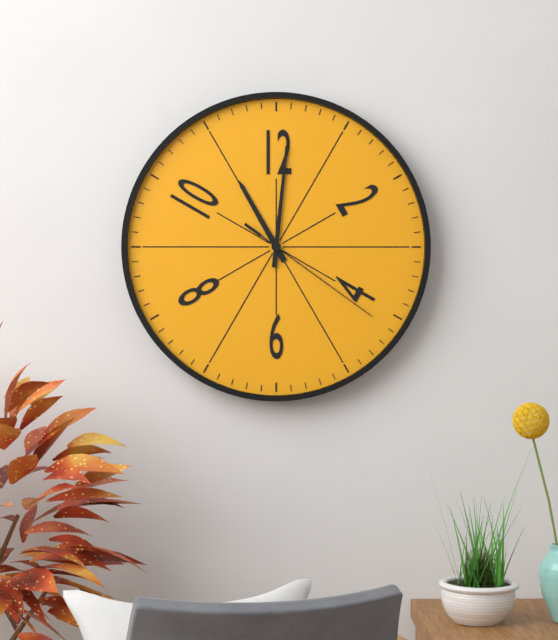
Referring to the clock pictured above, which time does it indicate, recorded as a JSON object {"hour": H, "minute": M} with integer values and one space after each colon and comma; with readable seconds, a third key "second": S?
{"hour": 11, "minute": 1, "second": 21}
